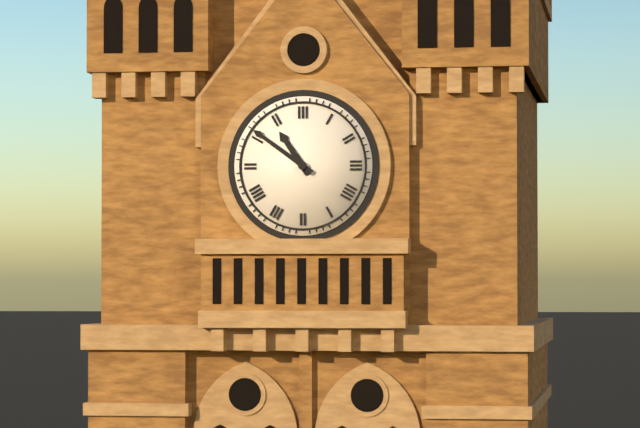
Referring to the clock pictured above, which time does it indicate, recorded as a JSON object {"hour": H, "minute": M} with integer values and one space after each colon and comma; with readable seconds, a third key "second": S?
{"hour": 10, "minute": 51}
